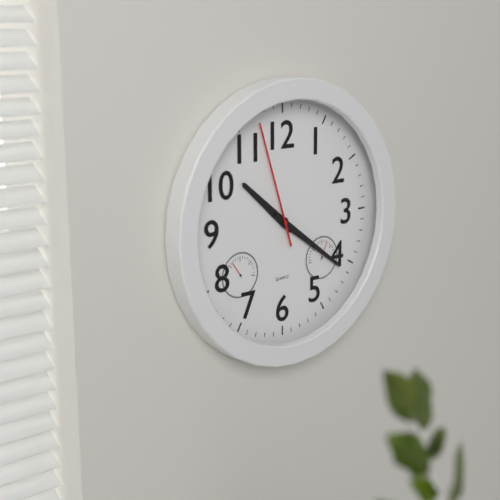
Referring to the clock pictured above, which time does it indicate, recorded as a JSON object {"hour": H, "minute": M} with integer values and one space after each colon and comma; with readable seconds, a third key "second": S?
{"hour": 10, "minute": 21, "second": 57}
